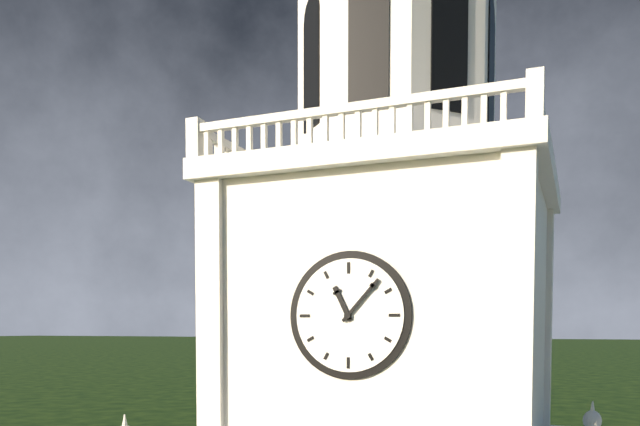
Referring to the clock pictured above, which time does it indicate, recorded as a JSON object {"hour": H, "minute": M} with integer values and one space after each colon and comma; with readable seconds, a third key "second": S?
{"hour": 11, "minute": 7}
